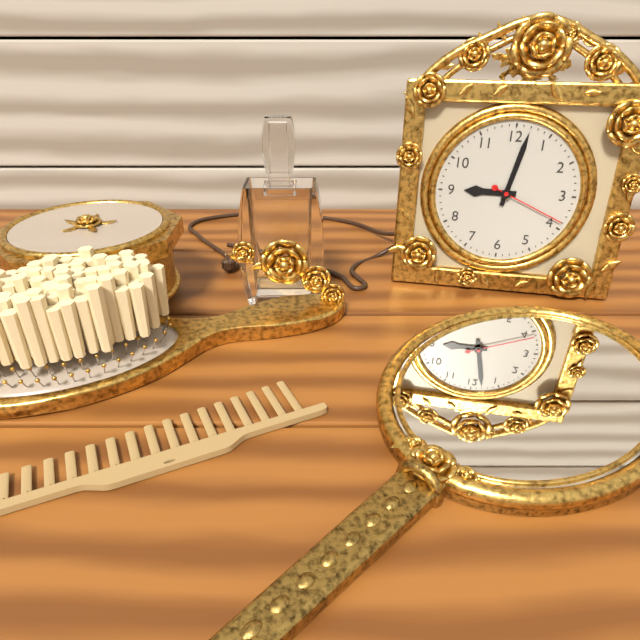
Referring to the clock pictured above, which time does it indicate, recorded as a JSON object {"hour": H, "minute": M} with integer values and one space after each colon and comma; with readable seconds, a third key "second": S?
{"hour": 9, "minute": 2, "second": 19}
